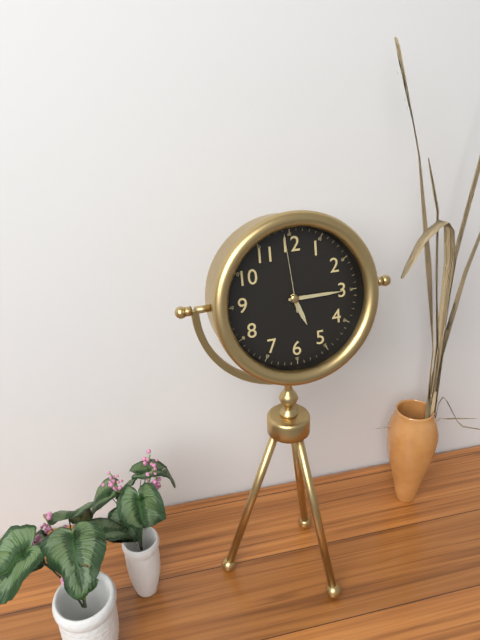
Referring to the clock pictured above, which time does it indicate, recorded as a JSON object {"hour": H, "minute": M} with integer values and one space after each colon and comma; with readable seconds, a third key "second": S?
{"hour": 5, "minute": 15, "second": 59}
